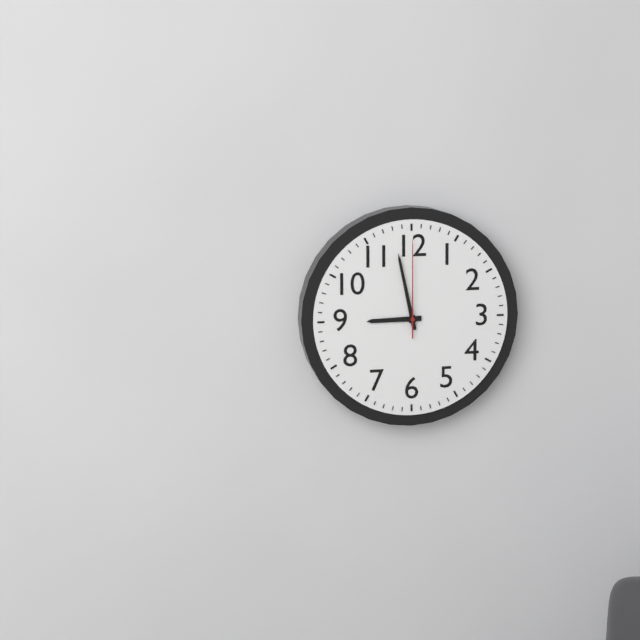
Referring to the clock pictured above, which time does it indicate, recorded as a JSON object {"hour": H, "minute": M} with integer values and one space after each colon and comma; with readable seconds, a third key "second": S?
{"hour": 8, "minute": 58, "second": 0}
